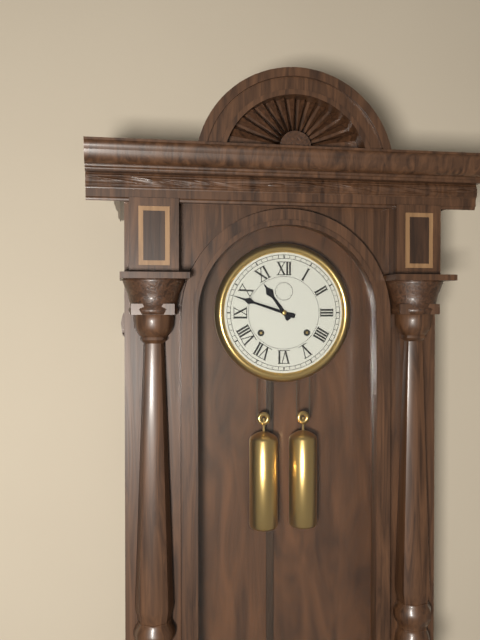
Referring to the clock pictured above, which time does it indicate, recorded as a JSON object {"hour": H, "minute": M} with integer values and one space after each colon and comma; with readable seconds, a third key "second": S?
{"hour": 10, "minute": 48}
